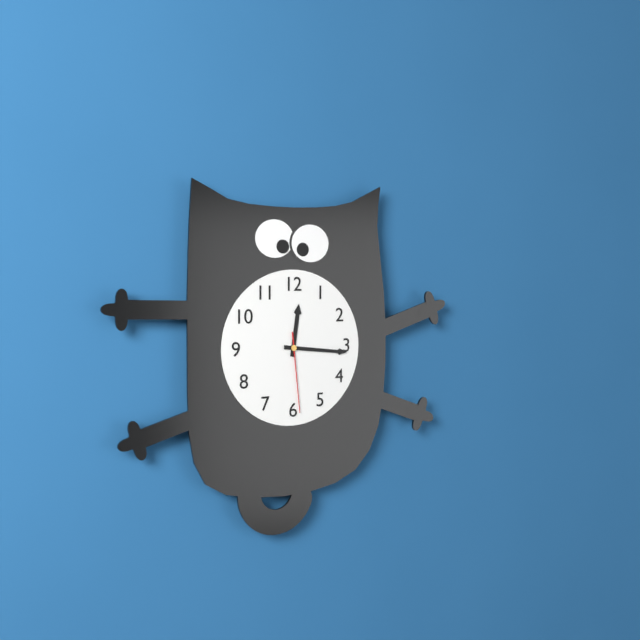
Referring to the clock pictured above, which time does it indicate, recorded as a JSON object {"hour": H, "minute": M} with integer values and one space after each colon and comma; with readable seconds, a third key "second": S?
{"hour": 12, "minute": 16, "second": 29}
